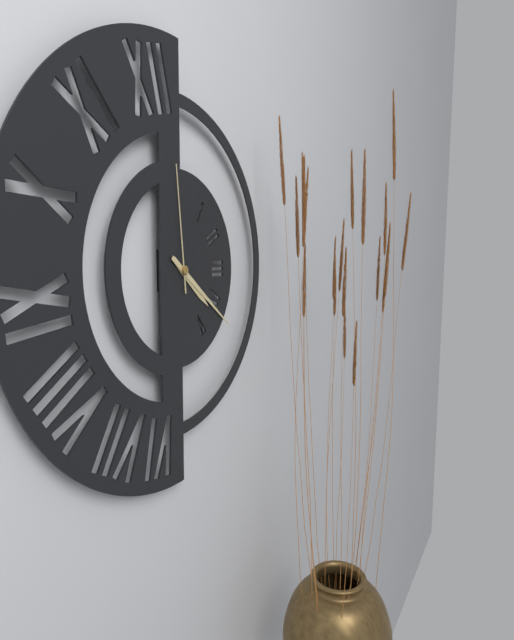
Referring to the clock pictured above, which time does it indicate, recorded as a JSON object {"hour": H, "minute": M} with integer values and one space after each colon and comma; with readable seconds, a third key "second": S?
{"hour": 4, "minute": 21, "second": 59}
